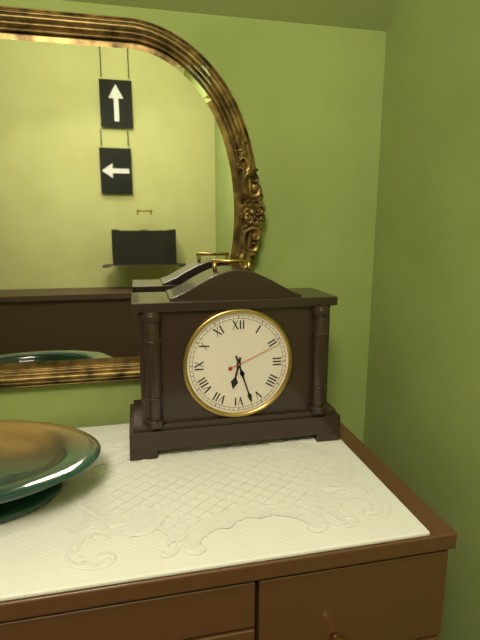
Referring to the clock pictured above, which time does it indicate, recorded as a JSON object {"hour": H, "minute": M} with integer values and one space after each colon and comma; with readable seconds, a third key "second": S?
{"hour": 6, "minute": 27, "second": 11}
